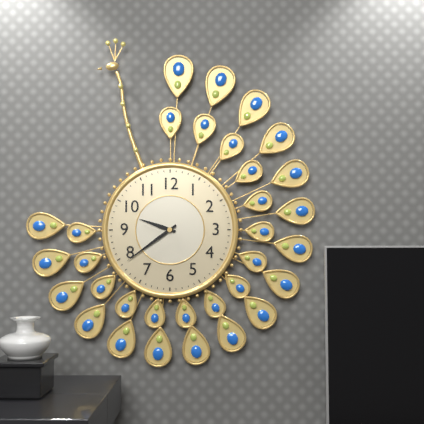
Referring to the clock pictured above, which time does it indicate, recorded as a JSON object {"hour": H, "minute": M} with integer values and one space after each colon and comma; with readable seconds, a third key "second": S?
{"hour": 9, "minute": 39}
